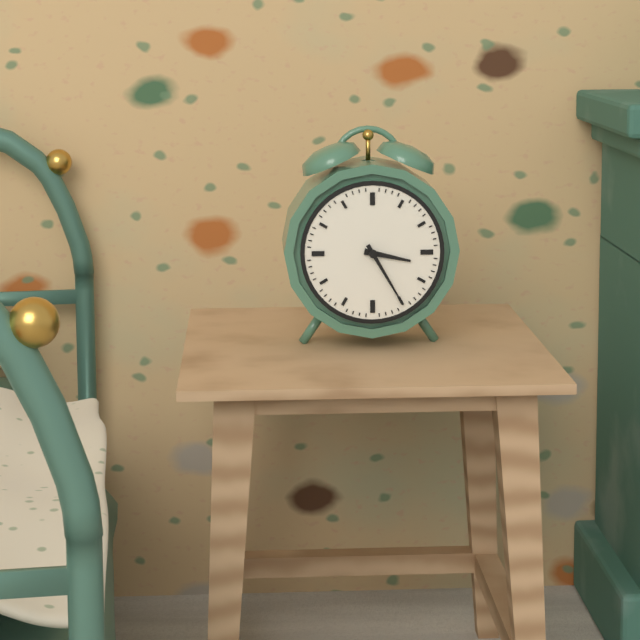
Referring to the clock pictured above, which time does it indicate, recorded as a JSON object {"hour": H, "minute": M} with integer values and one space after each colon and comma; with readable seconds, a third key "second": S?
{"hour": 3, "minute": 25}
